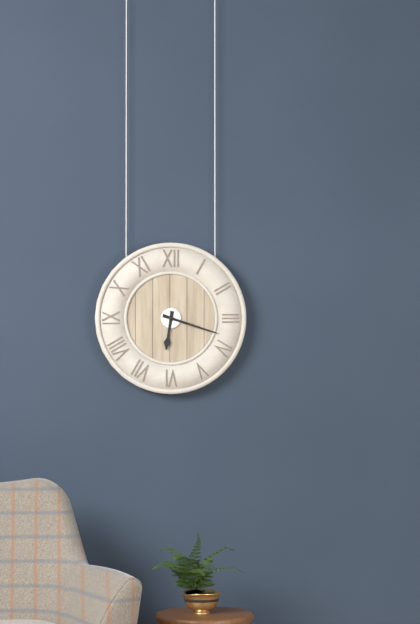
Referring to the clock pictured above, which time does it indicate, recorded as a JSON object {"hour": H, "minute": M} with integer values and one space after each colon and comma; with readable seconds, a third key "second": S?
{"hour": 6, "minute": 18}
